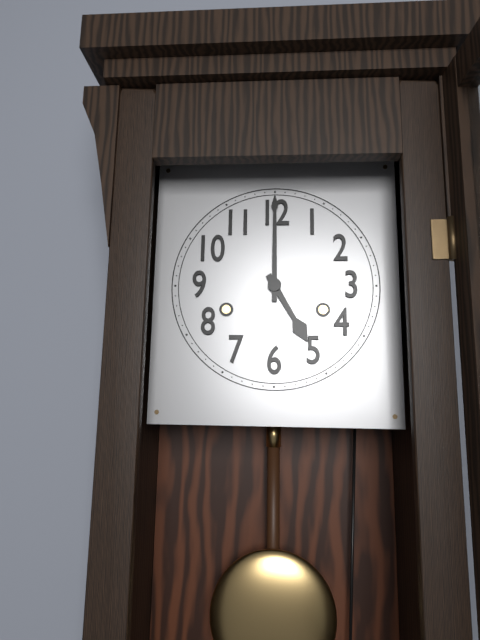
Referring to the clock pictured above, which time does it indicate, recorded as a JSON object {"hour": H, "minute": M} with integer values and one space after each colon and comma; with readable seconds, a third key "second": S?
{"hour": 5, "minute": 0}
